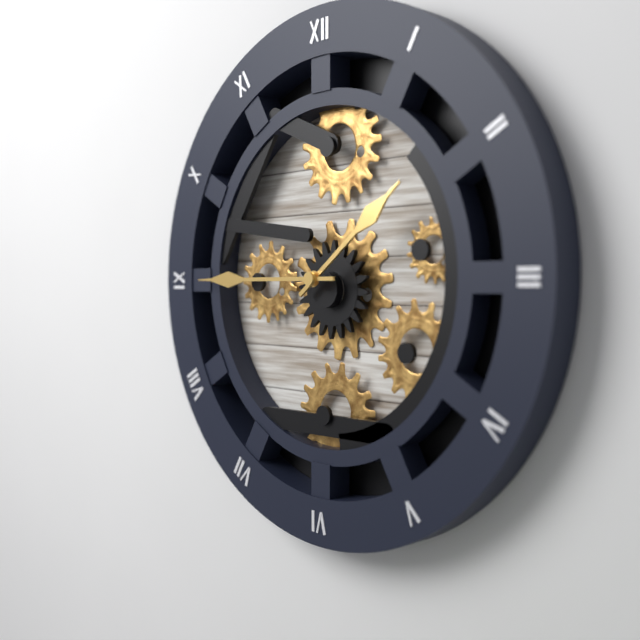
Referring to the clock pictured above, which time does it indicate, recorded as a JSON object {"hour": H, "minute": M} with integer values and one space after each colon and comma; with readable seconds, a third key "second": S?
{"hour": 1, "minute": 45}
